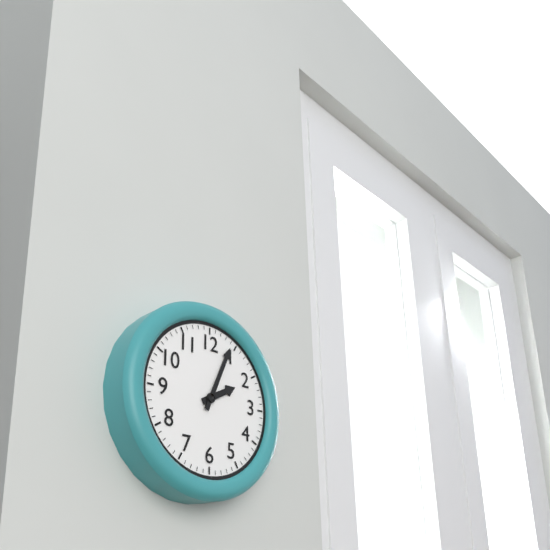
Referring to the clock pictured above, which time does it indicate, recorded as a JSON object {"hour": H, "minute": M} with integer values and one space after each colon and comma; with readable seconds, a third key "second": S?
{"hour": 2, "minute": 4}
